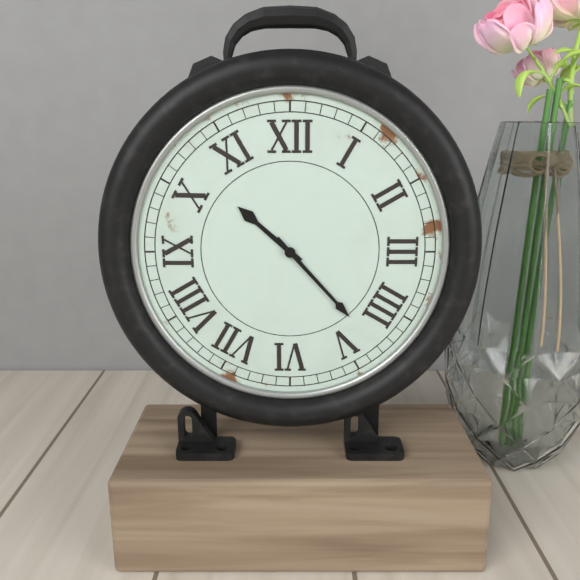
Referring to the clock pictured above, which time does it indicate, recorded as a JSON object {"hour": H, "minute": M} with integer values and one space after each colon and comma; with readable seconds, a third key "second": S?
{"hour": 10, "minute": 23}
